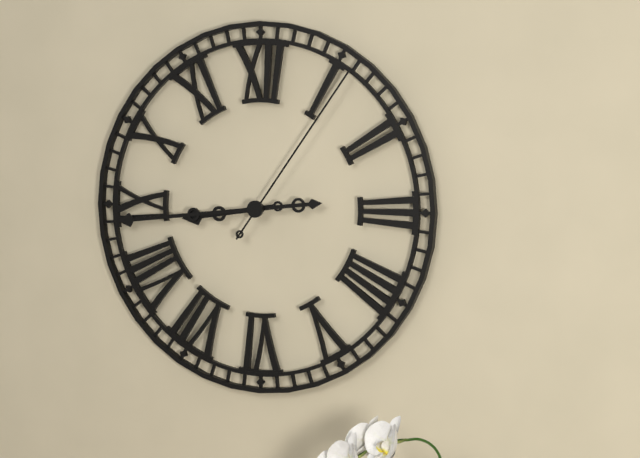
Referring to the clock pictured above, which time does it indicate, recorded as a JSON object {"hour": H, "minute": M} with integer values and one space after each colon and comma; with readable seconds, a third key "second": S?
{"hour": 8, "minute": 44, "second": 6}
